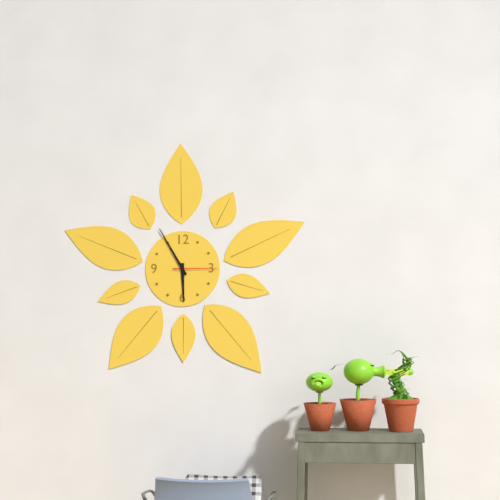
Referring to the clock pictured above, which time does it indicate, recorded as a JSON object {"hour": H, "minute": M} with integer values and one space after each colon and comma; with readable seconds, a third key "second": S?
{"hour": 5, "minute": 55}
